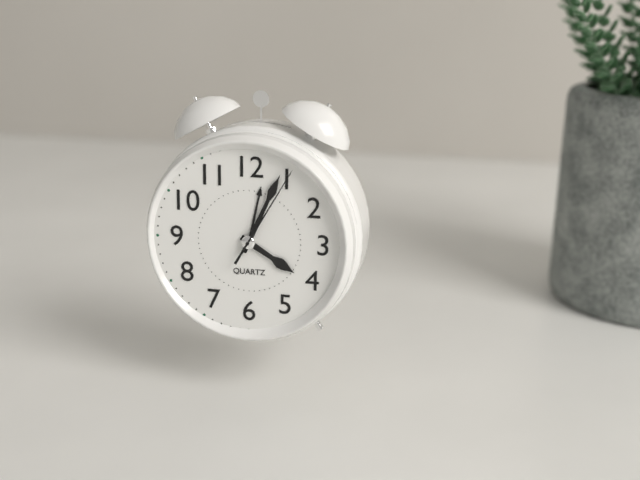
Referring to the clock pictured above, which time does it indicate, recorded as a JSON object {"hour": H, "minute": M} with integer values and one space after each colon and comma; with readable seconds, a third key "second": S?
{"hour": 4, "minute": 4, "second": 5}
